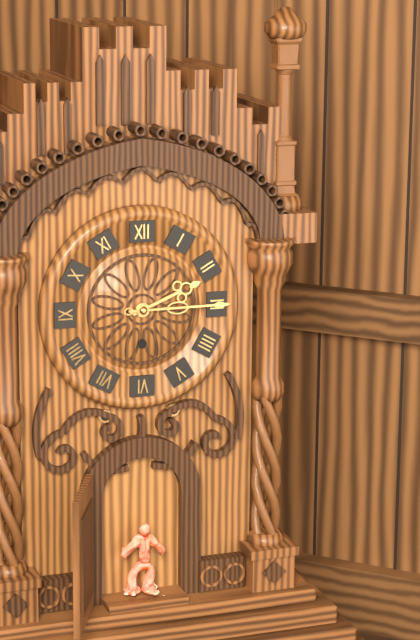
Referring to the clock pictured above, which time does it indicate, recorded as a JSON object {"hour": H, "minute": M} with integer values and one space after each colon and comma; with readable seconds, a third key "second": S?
{"hour": 2, "minute": 15}
